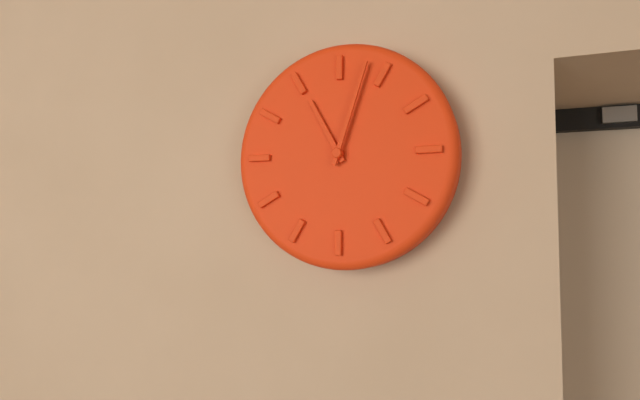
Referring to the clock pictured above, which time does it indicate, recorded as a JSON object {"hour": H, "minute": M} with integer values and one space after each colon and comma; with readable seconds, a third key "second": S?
{"hour": 11, "minute": 3}
